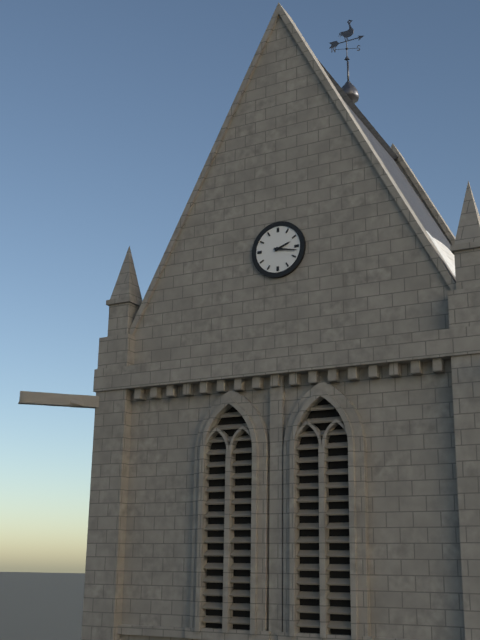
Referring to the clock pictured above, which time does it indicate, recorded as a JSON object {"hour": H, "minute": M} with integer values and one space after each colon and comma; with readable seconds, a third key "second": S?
{"hour": 2, "minute": 17}
